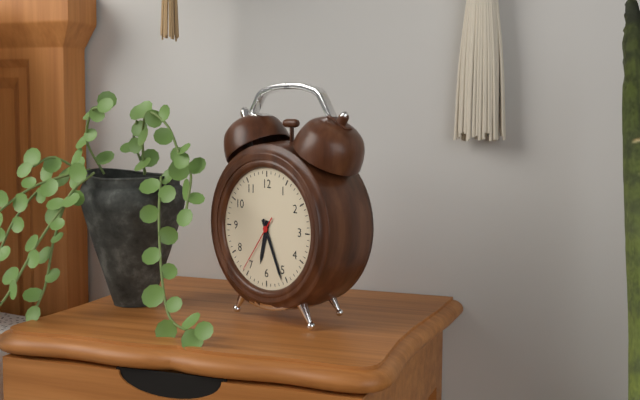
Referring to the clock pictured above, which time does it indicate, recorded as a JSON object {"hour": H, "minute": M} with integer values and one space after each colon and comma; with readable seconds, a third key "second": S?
{"hour": 6, "minute": 26, "second": 36}
